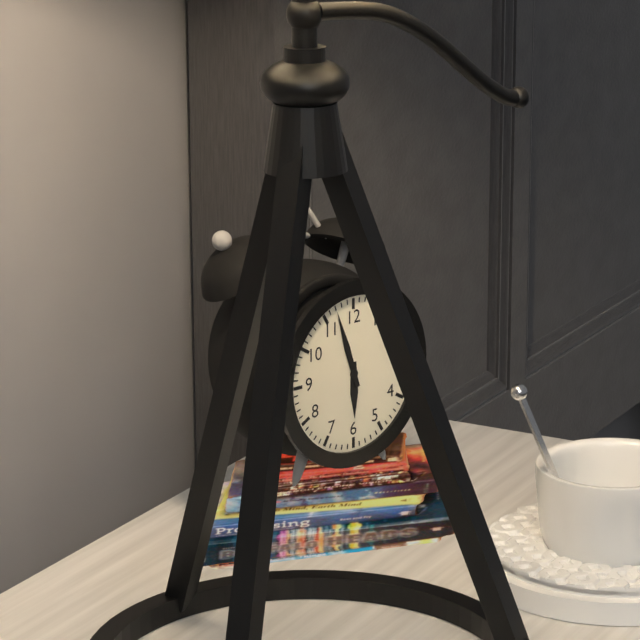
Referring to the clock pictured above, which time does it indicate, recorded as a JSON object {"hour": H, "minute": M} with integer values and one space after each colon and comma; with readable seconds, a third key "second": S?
{"hour": 5, "minute": 57}
